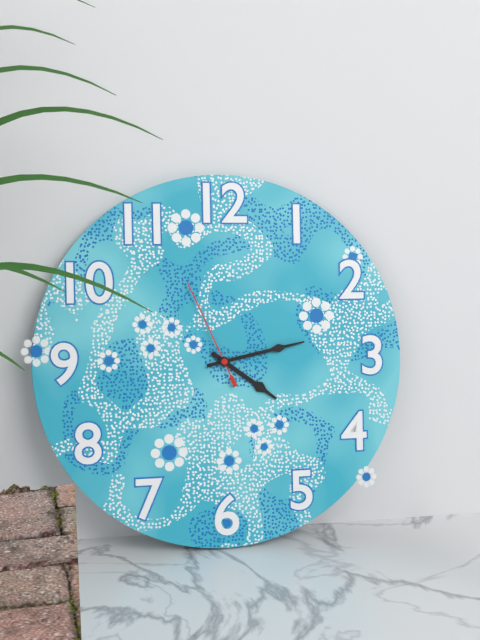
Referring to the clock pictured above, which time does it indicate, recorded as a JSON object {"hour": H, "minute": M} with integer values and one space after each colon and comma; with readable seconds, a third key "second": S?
{"hour": 4, "minute": 13, "second": 56}
